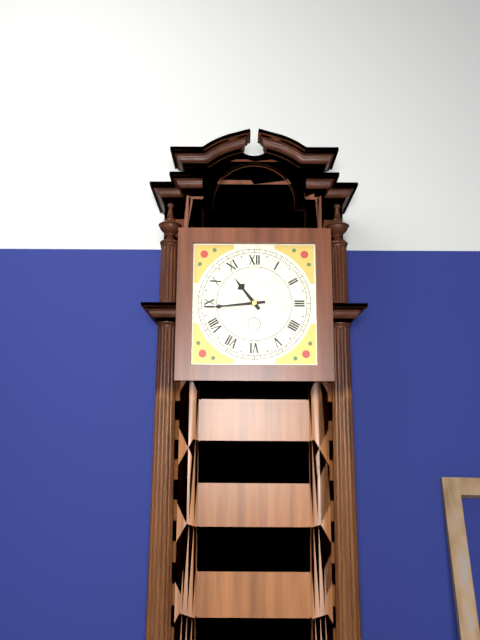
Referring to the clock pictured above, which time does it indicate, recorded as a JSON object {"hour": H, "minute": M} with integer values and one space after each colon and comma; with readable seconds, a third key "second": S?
{"hour": 10, "minute": 44}
